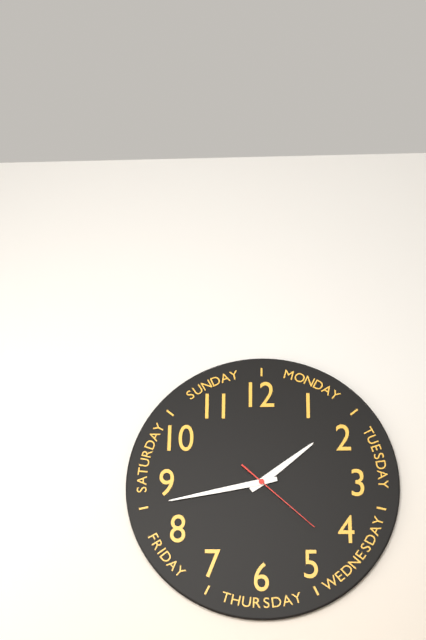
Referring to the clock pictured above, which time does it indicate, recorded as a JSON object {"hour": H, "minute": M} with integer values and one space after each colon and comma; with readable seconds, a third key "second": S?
{"hour": 1, "minute": 43, "second": 22}
